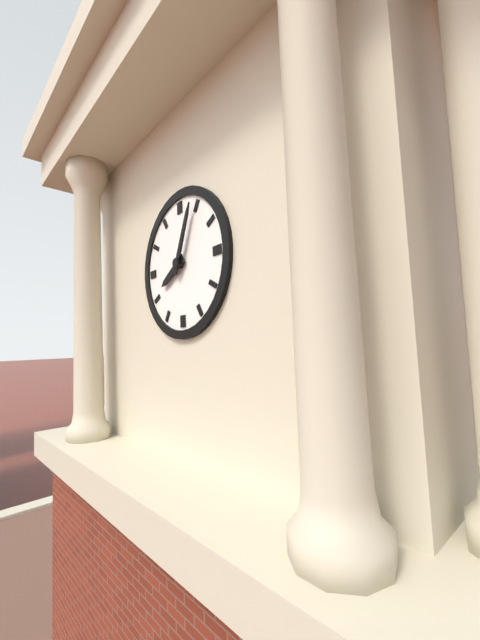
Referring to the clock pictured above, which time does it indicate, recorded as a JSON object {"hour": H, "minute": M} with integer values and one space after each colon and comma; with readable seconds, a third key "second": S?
{"hour": 8, "minute": 4}
